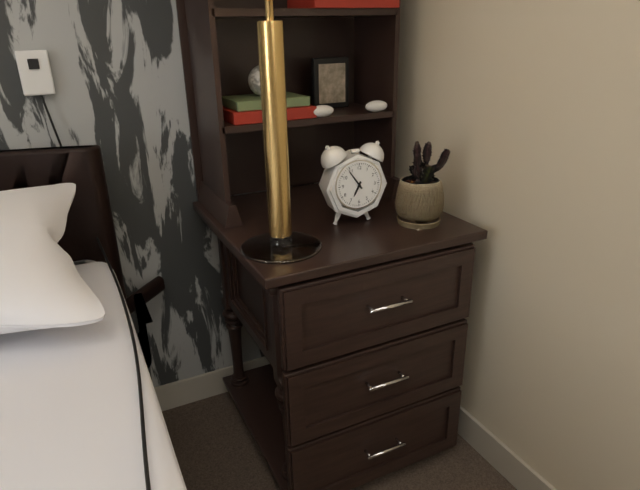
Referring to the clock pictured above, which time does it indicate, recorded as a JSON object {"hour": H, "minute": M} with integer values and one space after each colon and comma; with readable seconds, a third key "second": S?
{"hour": 6, "minute": 54}
